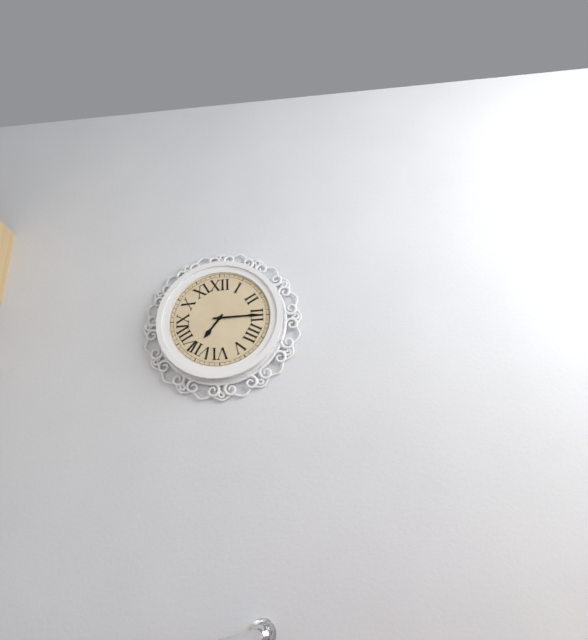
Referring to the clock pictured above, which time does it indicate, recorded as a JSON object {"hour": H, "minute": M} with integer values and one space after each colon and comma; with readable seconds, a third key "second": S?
{"hour": 7, "minute": 15}
